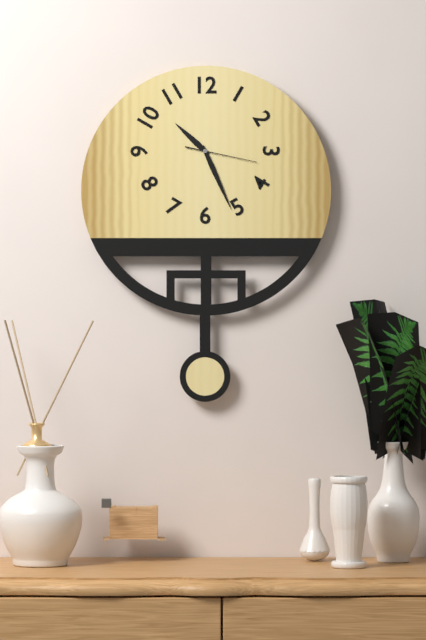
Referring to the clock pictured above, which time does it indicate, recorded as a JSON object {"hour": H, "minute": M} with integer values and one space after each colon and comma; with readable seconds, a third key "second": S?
{"hour": 10, "minute": 26, "second": 17}
